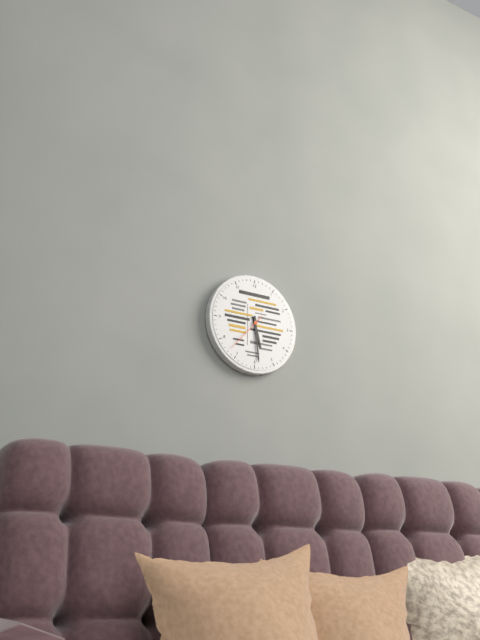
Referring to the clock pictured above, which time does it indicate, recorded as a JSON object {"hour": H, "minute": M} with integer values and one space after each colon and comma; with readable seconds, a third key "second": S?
{"hour": 5, "minute": 29}
